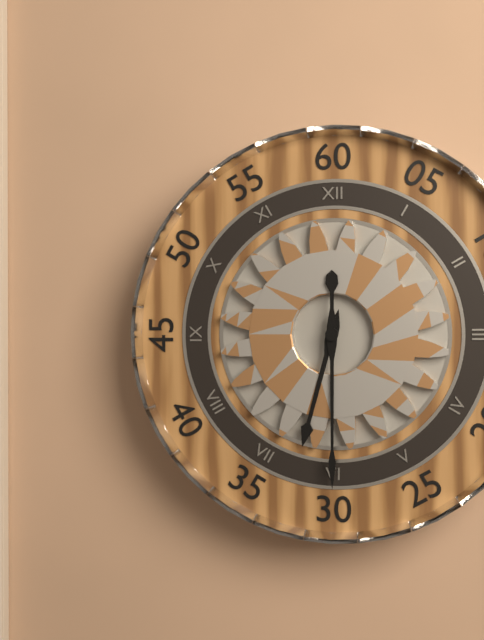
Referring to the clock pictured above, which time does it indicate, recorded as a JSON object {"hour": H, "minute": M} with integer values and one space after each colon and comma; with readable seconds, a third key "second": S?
{"hour": 6, "minute": 30}
